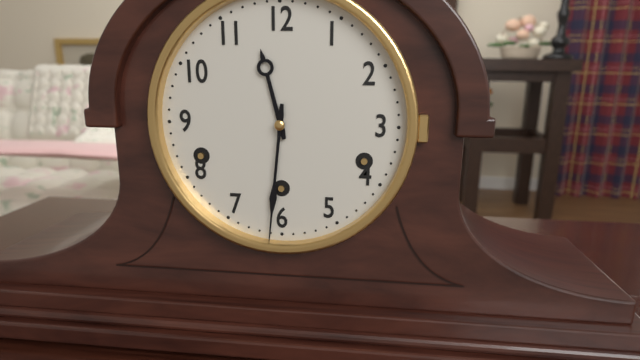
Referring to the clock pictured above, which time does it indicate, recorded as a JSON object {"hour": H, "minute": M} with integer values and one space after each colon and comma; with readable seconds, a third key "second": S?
{"hour": 11, "minute": 31}
